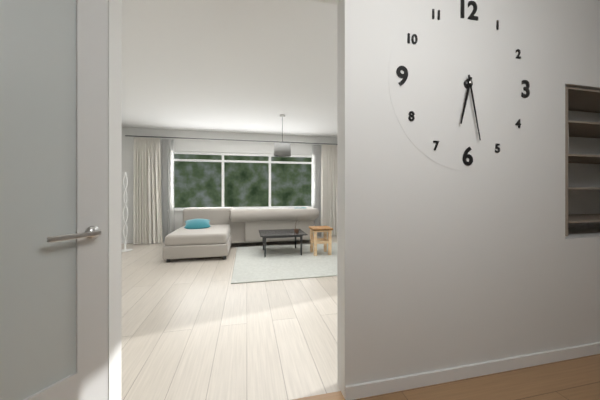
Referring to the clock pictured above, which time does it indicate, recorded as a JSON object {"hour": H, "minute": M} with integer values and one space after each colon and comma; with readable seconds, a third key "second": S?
{"hour": 6, "minute": 28}
